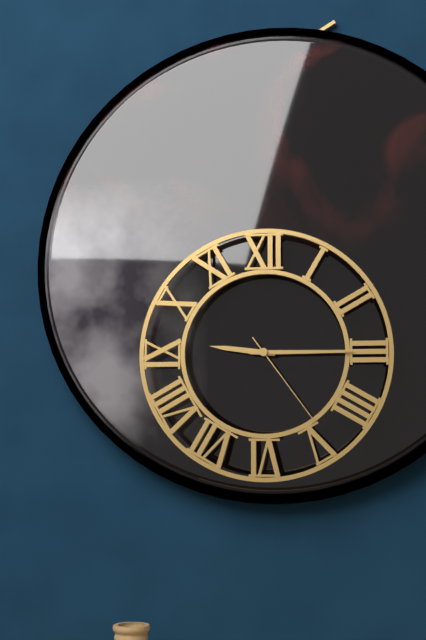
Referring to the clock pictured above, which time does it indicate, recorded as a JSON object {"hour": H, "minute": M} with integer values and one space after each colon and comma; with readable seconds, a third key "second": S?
{"hour": 9, "minute": 15, "second": 24}
